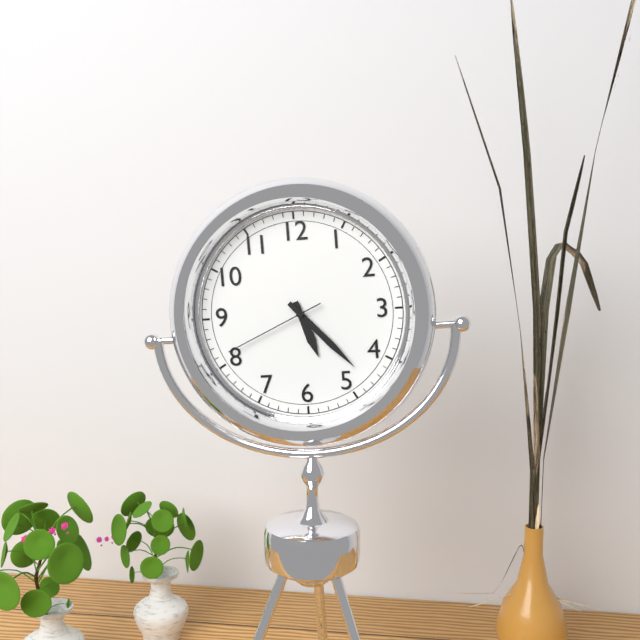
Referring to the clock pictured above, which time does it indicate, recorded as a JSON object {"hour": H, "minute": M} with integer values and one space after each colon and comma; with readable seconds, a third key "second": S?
{"hour": 5, "minute": 23, "second": 41}
